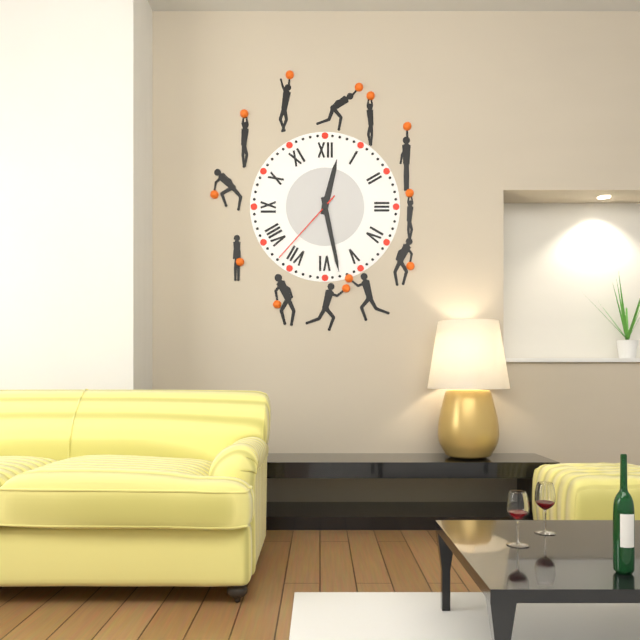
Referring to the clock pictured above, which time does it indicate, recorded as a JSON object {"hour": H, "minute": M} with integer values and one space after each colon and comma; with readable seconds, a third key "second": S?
{"hour": 12, "minute": 28, "second": 37}
